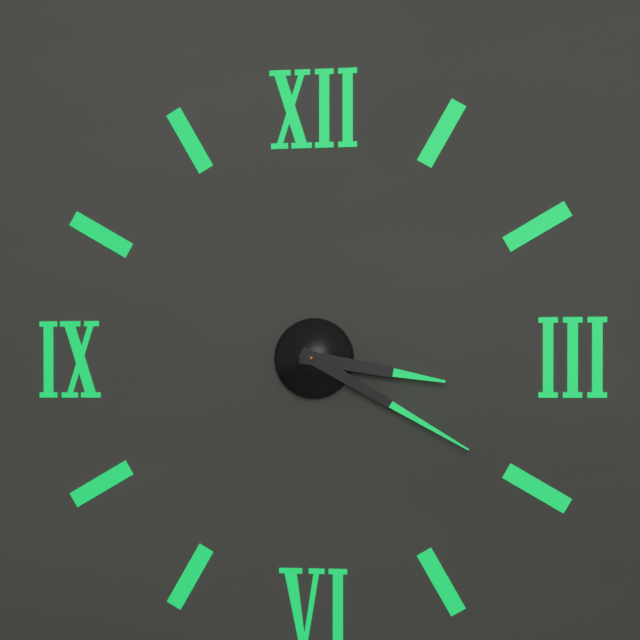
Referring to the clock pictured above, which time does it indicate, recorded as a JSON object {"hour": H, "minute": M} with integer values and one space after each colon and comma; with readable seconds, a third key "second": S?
{"hour": 3, "minute": 20}
